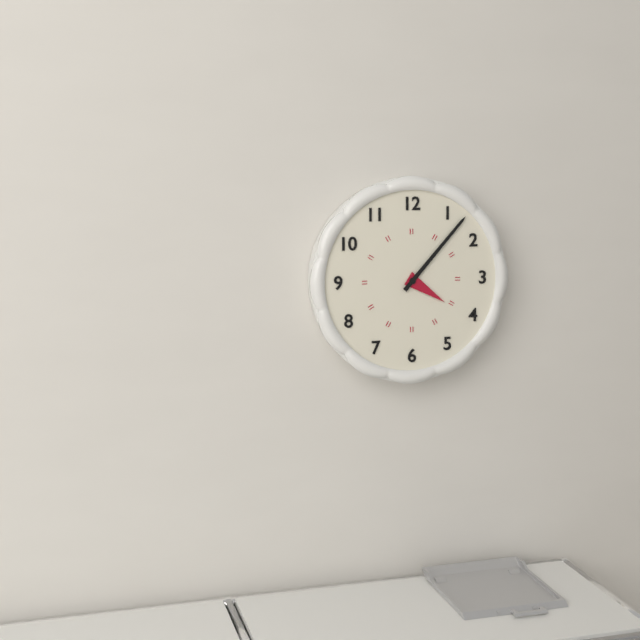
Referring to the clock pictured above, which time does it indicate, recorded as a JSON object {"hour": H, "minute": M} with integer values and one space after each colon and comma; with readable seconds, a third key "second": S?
{"hour": 4, "minute": 7}
